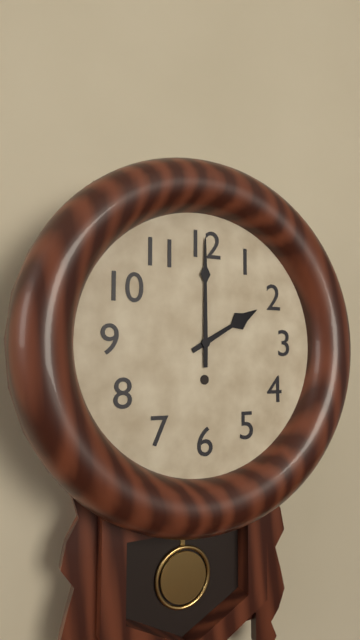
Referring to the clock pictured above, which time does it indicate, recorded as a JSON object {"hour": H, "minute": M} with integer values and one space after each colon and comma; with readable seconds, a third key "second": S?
{"hour": 2, "minute": 0}
